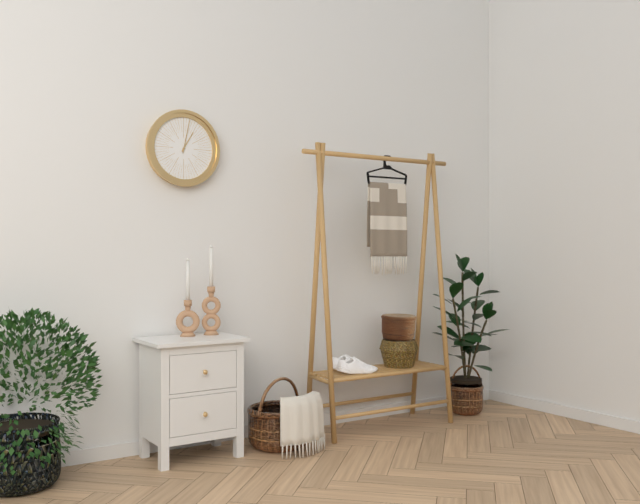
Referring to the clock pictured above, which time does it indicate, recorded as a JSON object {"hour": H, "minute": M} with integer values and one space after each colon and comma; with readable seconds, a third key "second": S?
{"hour": 1, "minute": 2}
